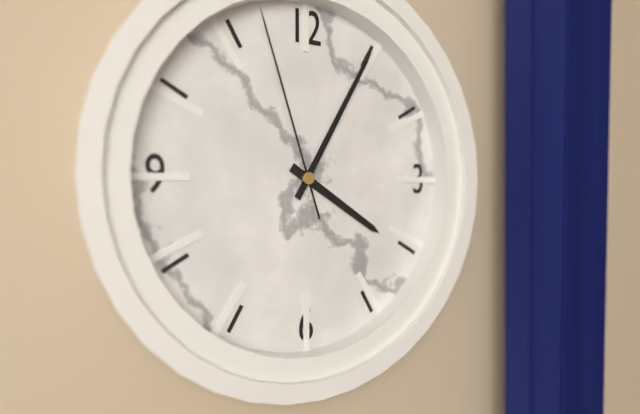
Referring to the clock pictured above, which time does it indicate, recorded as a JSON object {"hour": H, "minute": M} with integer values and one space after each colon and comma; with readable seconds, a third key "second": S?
{"hour": 4, "minute": 5, "second": 57}
